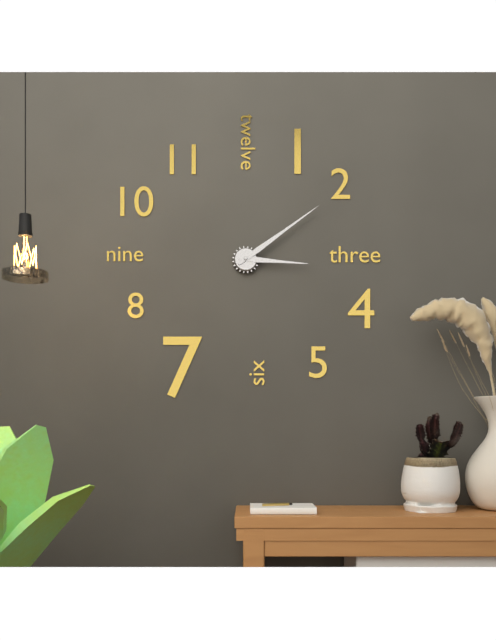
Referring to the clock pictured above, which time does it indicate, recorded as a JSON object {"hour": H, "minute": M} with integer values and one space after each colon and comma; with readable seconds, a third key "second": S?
{"hour": 3, "minute": 9}
